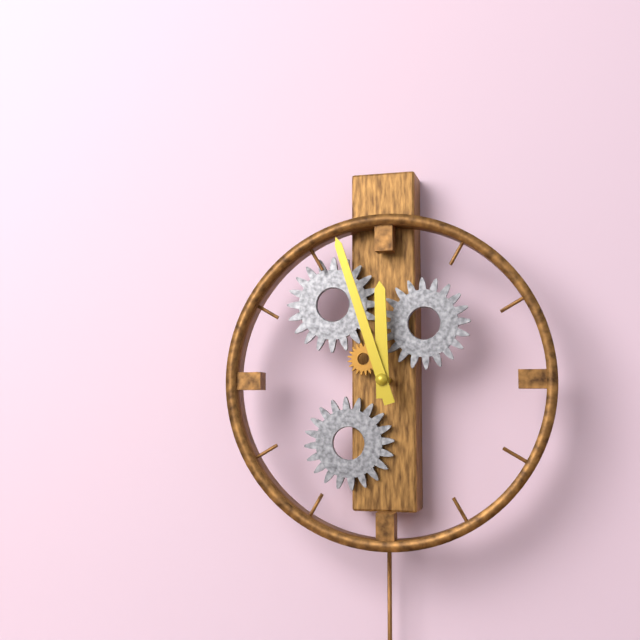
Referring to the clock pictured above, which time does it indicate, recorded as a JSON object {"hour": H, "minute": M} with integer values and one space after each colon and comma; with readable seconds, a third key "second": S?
{"hour": 11, "minute": 57}
